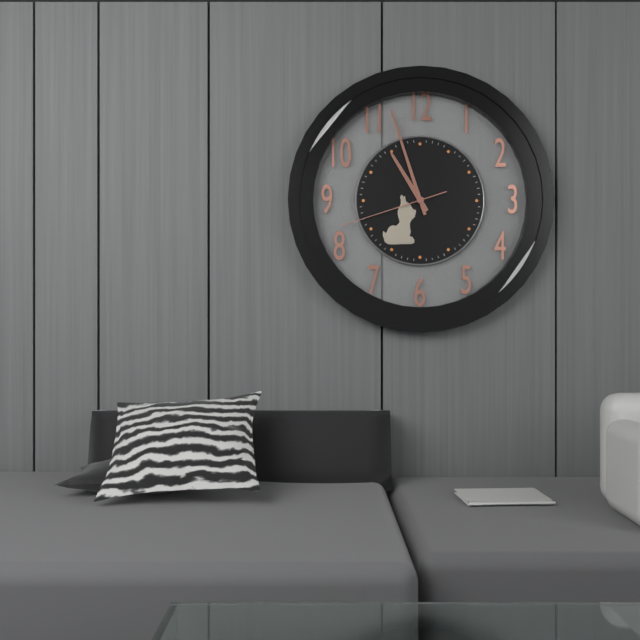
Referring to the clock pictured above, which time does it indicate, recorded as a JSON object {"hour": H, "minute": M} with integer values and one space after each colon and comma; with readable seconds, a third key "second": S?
{"hour": 10, "minute": 57, "second": 42}
